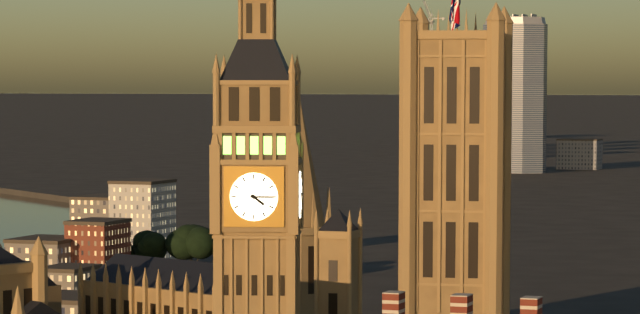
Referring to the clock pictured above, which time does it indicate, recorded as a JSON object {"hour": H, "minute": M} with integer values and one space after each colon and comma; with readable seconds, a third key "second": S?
{"hour": 4, "minute": 15}
